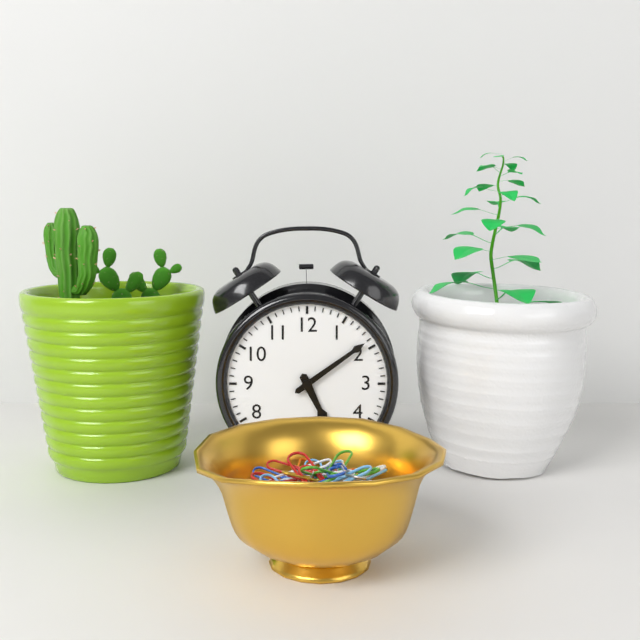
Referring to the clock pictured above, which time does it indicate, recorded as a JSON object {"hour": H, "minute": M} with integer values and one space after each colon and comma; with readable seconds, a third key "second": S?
{"hour": 5, "minute": 9}
